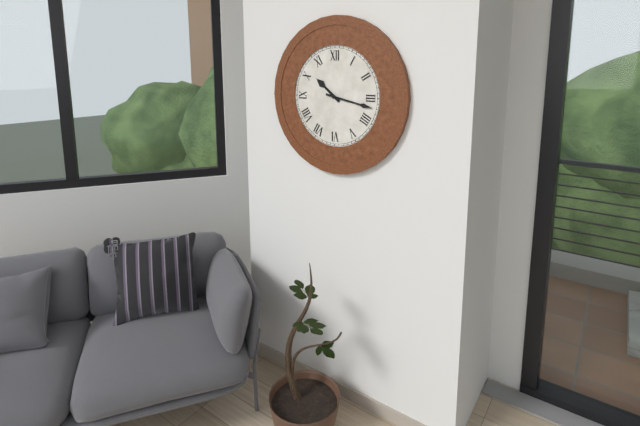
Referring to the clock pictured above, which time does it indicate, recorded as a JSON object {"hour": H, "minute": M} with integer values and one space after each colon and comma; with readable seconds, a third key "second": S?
{"hour": 10, "minute": 17}
